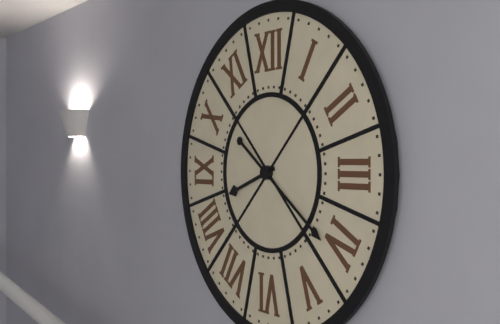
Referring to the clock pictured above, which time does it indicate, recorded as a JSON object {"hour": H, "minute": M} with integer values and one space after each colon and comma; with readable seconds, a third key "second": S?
{"hour": 8, "minute": 21}
